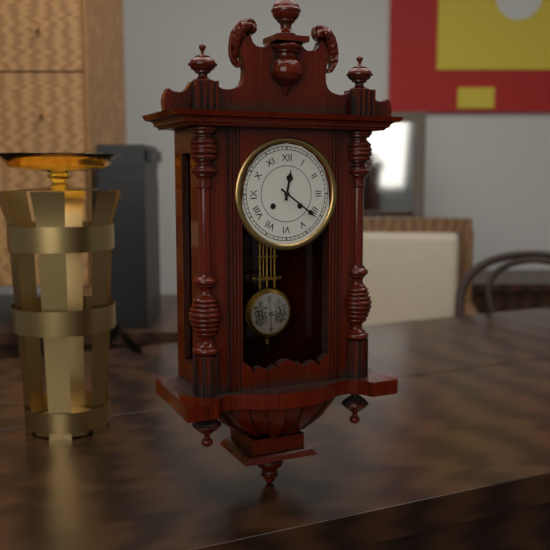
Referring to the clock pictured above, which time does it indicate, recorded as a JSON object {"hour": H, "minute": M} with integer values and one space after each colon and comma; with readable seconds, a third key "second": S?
{"hour": 12, "minute": 21}
